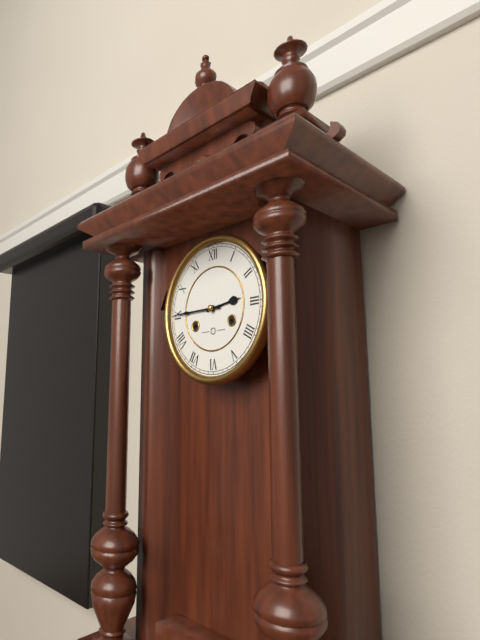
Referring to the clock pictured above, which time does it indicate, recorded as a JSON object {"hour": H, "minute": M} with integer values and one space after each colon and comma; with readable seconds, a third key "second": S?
{"hour": 2, "minute": 45}
